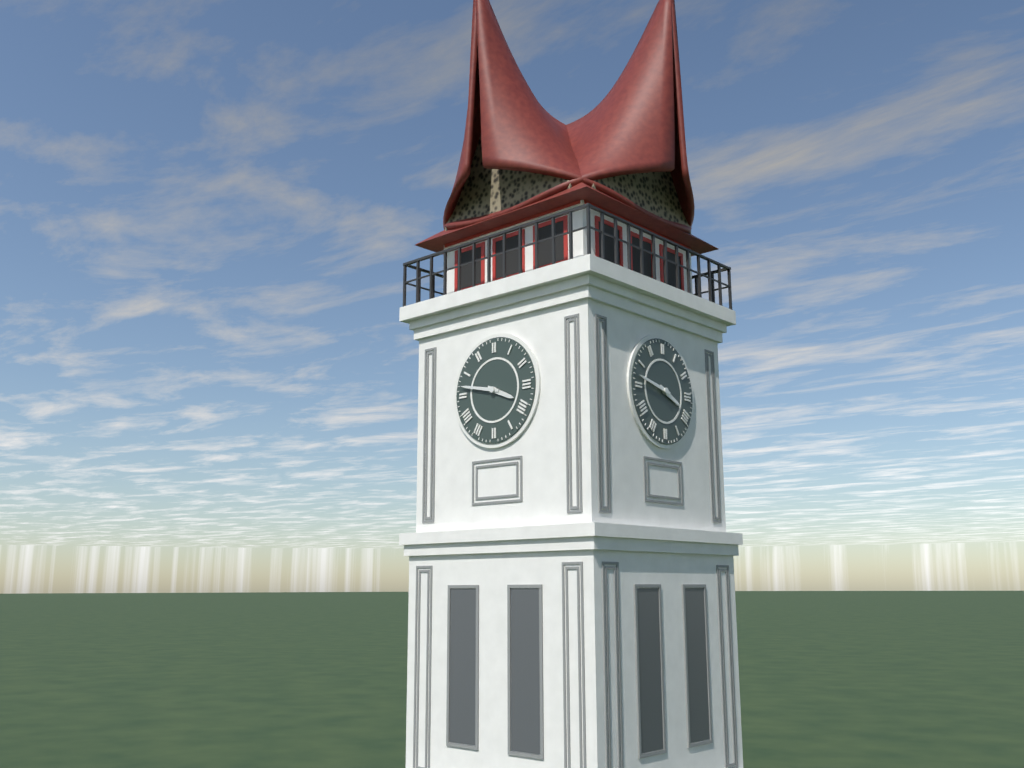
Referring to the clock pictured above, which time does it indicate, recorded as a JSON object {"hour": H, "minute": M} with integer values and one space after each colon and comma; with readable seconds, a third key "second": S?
{"hour": 3, "minute": 47}
